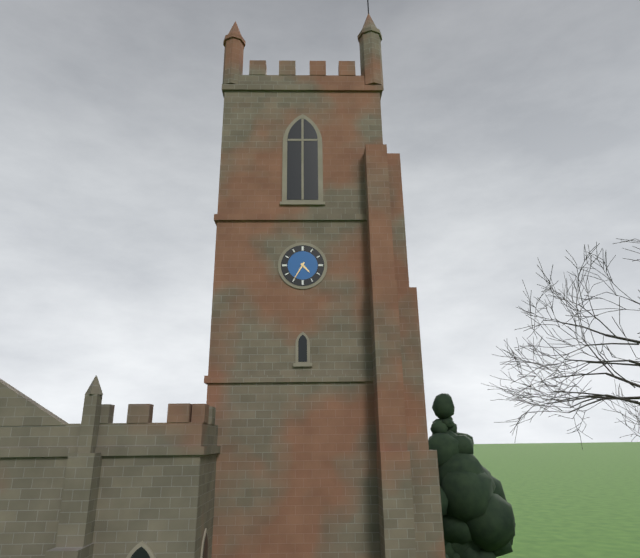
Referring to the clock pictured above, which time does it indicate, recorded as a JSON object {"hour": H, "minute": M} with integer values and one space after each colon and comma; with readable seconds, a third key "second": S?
{"hour": 4, "minute": 35}
